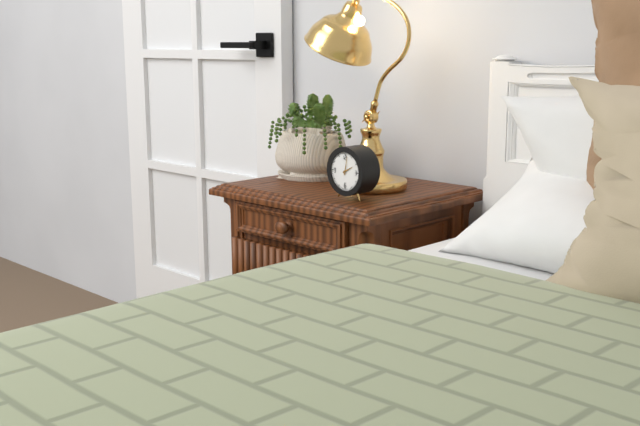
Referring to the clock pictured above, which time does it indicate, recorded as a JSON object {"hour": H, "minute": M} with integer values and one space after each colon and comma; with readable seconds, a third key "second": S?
{"hour": 2, "minute": 2}
